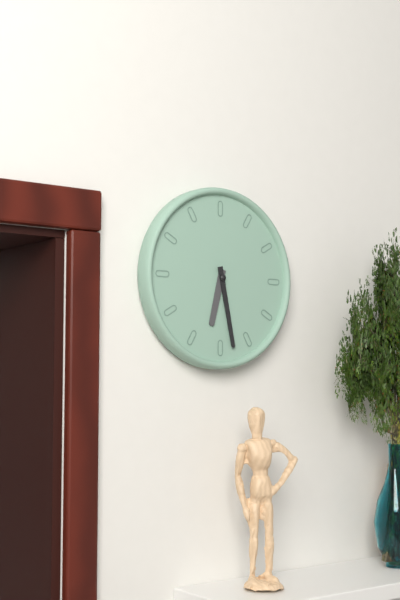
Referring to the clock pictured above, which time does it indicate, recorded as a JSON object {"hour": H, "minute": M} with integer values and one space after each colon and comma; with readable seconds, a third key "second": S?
{"hour": 6, "minute": 28}
